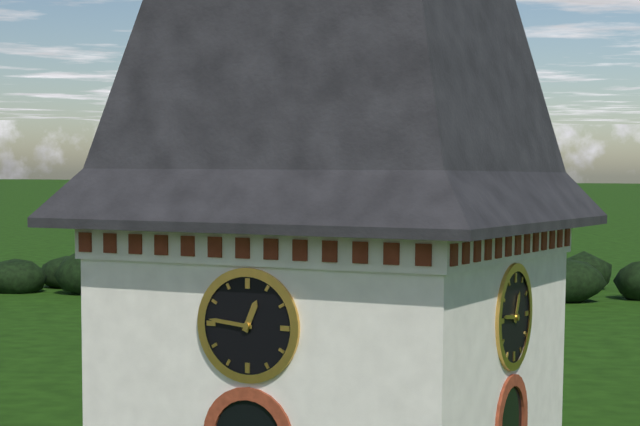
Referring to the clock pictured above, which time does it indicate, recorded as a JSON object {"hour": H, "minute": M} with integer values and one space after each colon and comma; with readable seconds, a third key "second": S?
{"hour": 12, "minute": 46}
